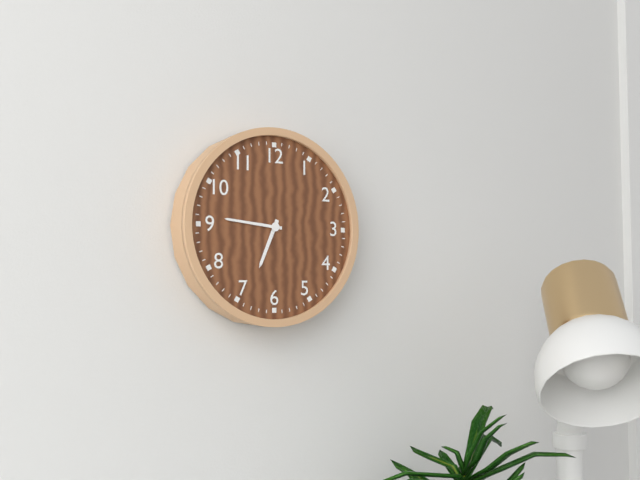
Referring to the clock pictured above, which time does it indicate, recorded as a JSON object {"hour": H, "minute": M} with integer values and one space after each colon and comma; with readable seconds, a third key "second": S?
{"hour": 6, "minute": 46}
